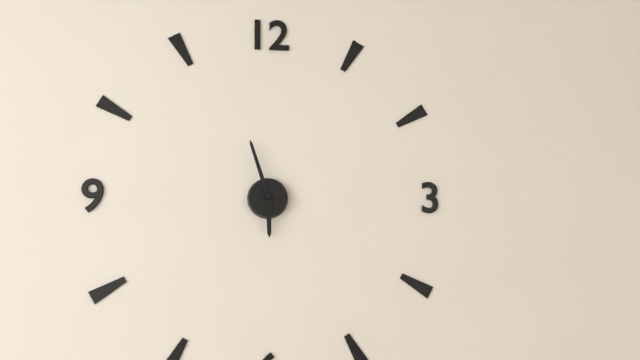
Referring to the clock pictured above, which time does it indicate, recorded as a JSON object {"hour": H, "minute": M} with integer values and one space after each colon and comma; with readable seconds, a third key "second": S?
{"hour": 5, "minute": 57}
